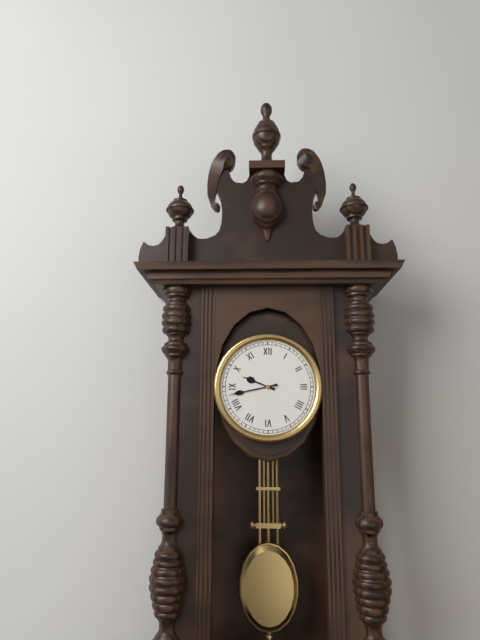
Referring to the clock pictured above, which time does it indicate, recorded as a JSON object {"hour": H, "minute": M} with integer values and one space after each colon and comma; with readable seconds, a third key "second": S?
{"hour": 9, "minute": 43}
